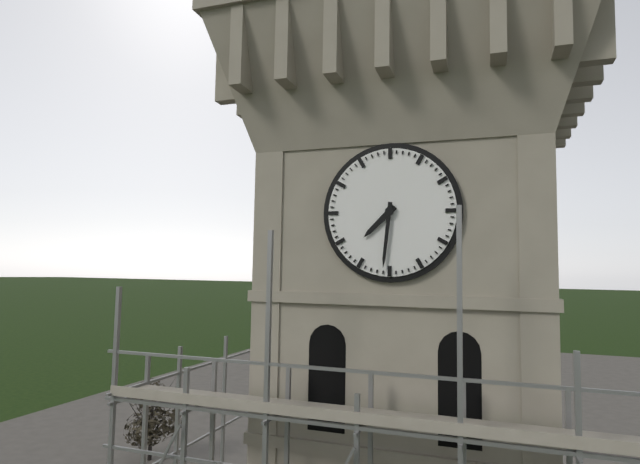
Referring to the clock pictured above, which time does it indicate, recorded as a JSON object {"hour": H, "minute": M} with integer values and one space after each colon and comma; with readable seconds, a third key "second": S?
{"hour": 7, "minute": 31}
